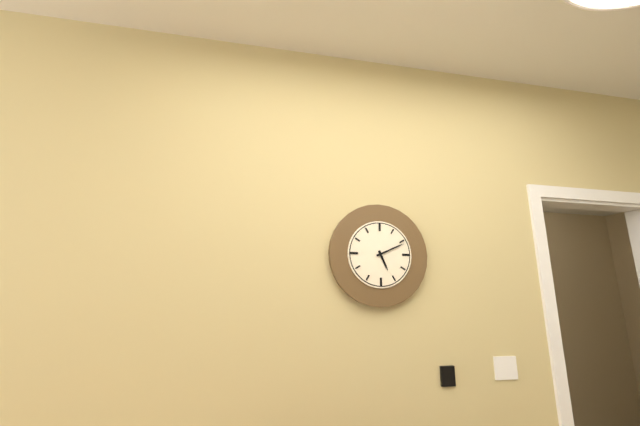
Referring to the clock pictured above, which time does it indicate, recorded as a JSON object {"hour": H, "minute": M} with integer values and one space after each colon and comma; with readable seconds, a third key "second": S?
{"hour": 5, "minute": 11}
